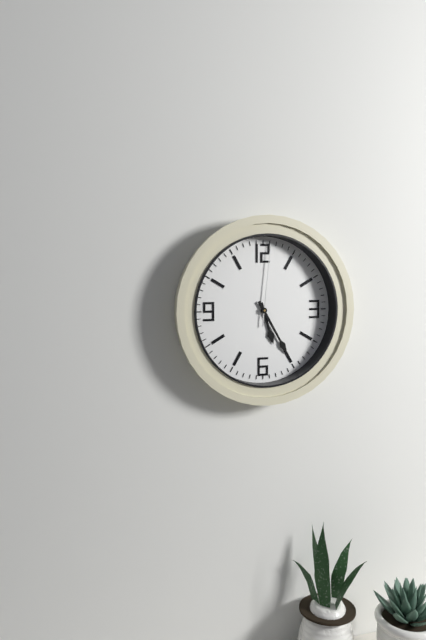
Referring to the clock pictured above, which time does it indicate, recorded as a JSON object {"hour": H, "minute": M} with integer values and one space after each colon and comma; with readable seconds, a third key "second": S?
{"hour": 5, "minute": 25, "second": 1}
